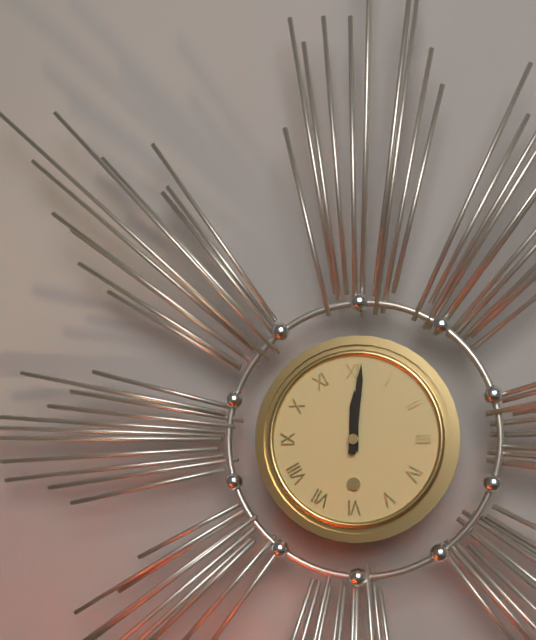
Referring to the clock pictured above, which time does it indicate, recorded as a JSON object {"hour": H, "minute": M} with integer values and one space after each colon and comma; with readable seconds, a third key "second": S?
{"hour": 12, "minute": 1}
